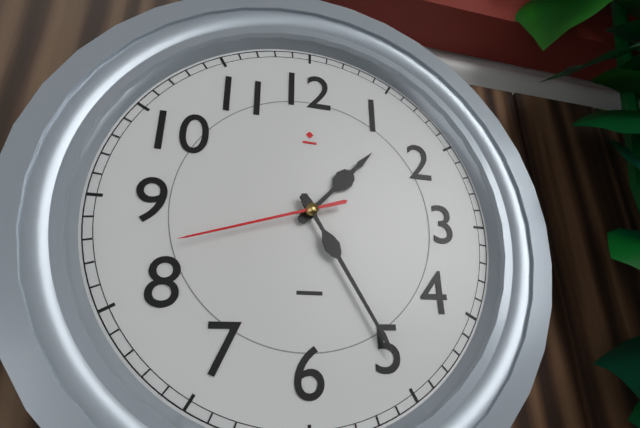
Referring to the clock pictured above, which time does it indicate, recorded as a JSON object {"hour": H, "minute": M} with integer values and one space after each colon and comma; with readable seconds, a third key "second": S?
{"hour": 1, "minute": 25, "second": 42}
